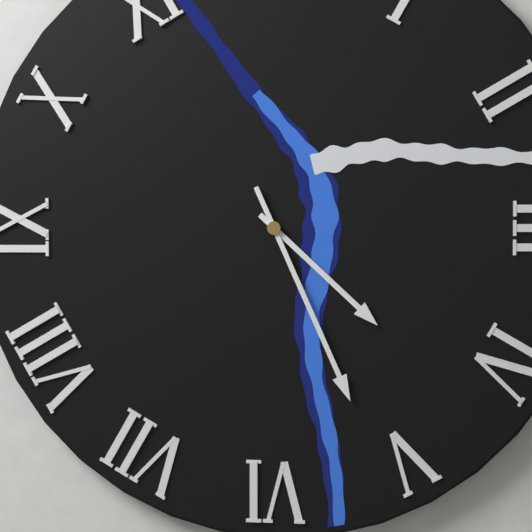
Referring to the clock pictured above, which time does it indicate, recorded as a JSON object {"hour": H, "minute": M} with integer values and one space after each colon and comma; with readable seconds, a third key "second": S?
{"hour": 4, "minute": 26}
